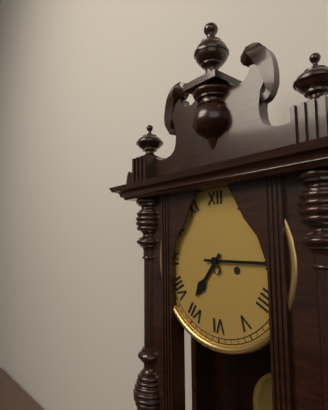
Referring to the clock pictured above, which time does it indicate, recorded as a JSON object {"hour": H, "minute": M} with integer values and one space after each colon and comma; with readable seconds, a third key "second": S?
{"hour": 7, "minute": 15}
